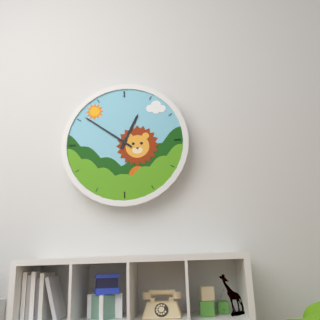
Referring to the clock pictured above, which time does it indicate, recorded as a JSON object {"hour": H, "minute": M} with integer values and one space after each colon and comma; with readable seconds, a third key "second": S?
{"hour": 12, "minute": 51}
